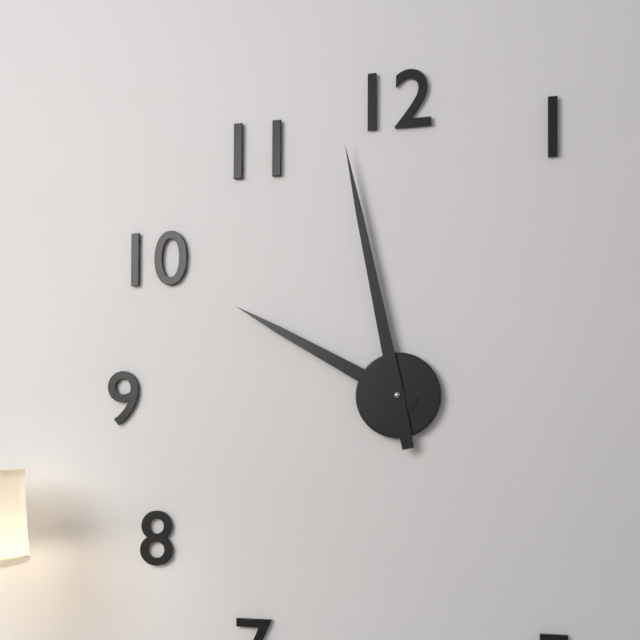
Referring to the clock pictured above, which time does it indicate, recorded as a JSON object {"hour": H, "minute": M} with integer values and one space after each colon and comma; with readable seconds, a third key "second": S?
{"hour": 9, "minute": 58}
